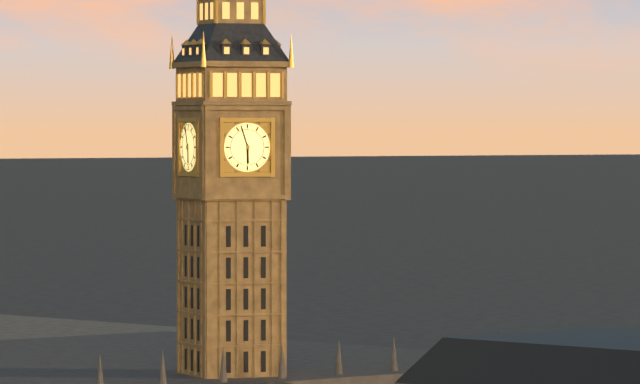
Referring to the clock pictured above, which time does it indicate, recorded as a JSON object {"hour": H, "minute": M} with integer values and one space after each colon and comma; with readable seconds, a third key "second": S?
{"hour": 5, "minute": 57}
